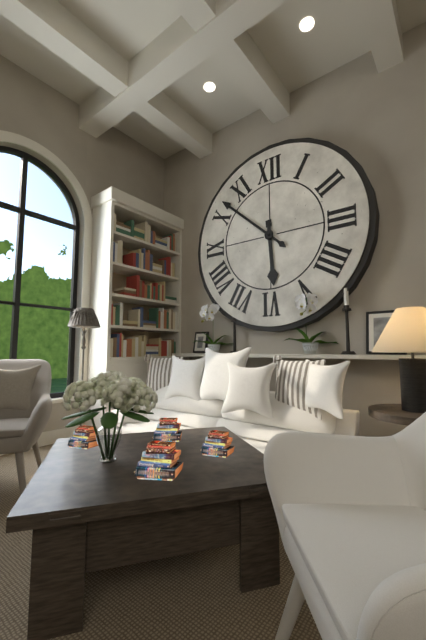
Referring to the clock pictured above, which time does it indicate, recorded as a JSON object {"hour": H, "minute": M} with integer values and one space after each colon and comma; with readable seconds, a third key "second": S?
{"hour": 5, "minute": 52}
